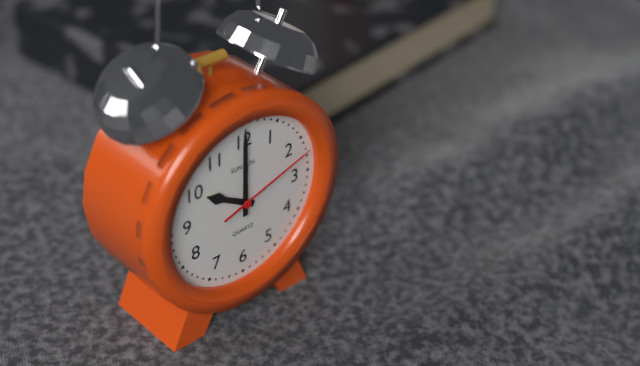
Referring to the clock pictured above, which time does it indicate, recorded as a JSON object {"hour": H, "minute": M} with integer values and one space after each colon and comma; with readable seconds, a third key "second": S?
{"hour": 10, "minute": 0, "second": 12}
